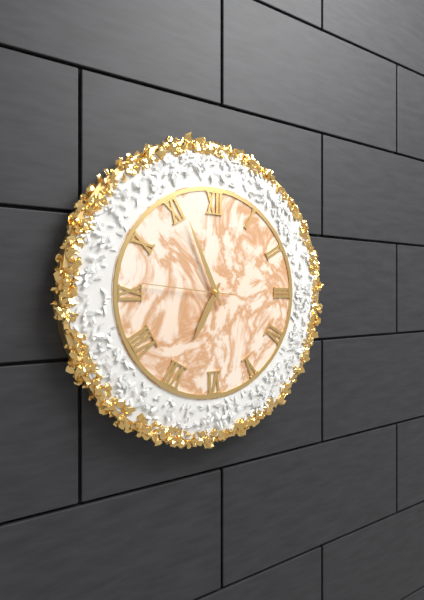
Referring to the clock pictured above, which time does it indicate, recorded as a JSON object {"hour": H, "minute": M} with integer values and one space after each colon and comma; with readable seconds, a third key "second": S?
{"hour": 6, "minute": 56, "second": 46}
